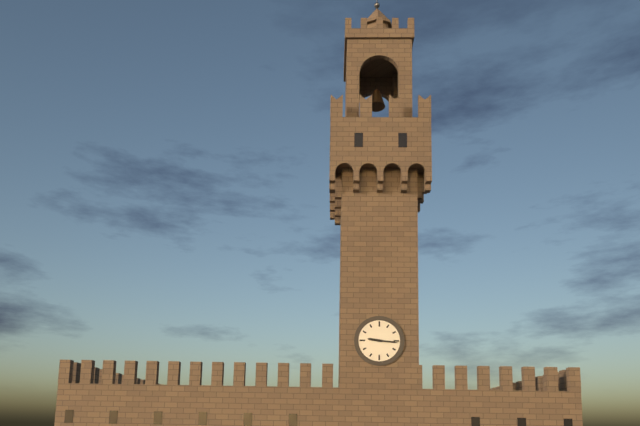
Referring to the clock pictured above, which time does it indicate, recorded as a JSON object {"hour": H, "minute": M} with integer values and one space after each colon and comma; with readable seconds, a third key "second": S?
{"hour": 9, "minute": 16}
